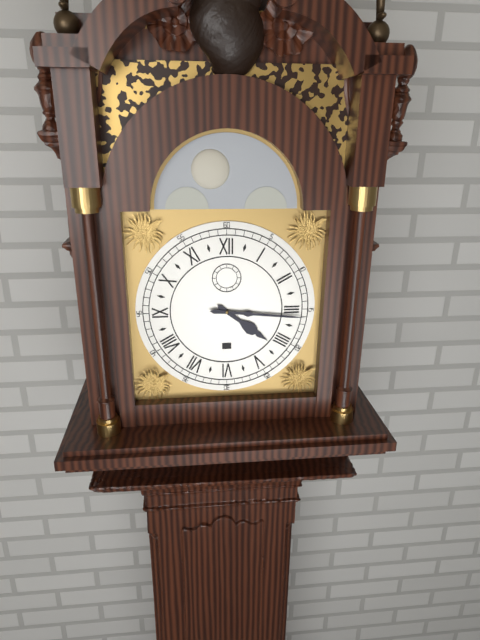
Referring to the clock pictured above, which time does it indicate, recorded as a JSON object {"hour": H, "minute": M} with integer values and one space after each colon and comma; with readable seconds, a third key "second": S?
{"hour": 4, "minute": 16}
